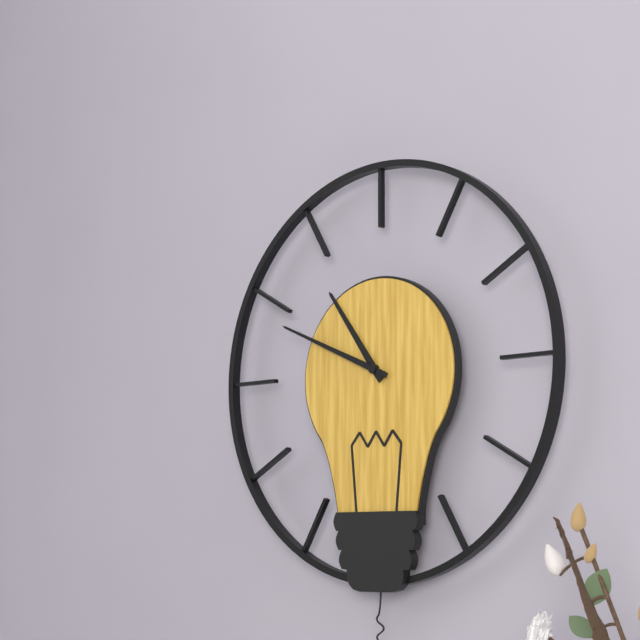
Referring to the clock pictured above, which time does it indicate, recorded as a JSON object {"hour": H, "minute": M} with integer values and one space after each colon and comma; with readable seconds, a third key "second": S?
{"hour": 10, "minute": 49}
